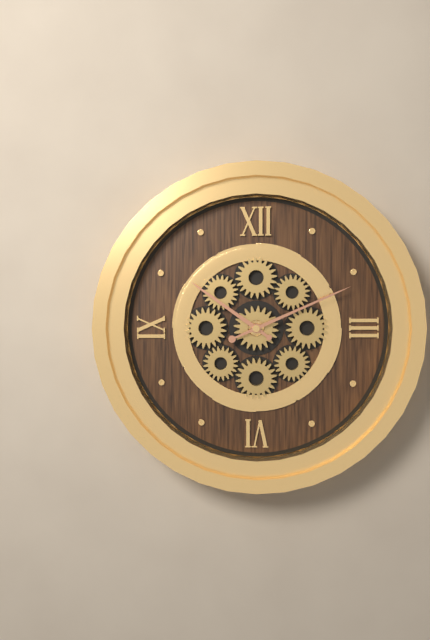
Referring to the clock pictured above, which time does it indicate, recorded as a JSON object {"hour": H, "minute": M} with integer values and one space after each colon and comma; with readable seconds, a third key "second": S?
{"hour": 10, "minute": 11}
